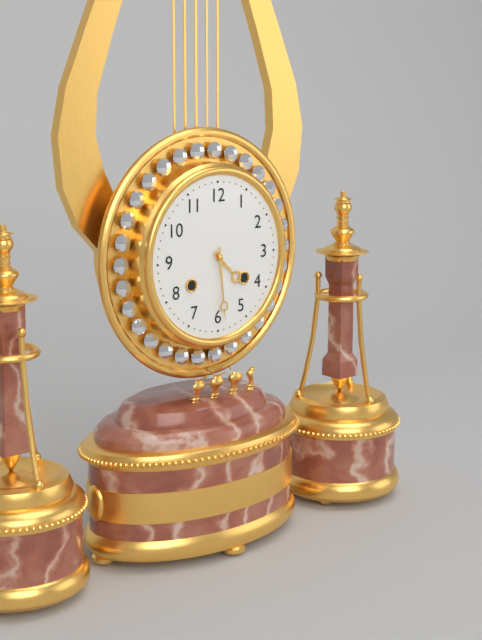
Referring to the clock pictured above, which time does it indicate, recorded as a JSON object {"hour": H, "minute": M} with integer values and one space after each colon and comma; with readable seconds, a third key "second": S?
{"hour": 4, "minute": 29}
